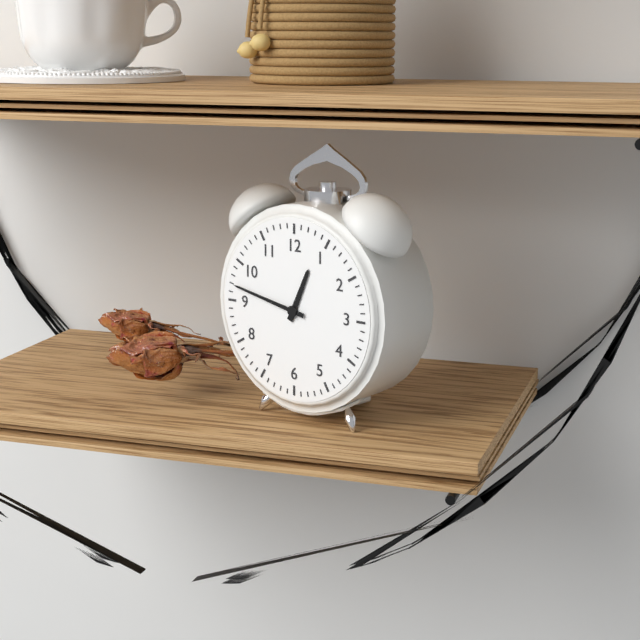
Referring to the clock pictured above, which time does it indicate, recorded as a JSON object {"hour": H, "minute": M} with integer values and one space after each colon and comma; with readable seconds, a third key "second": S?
{"hour": 12, "minute": 47}
